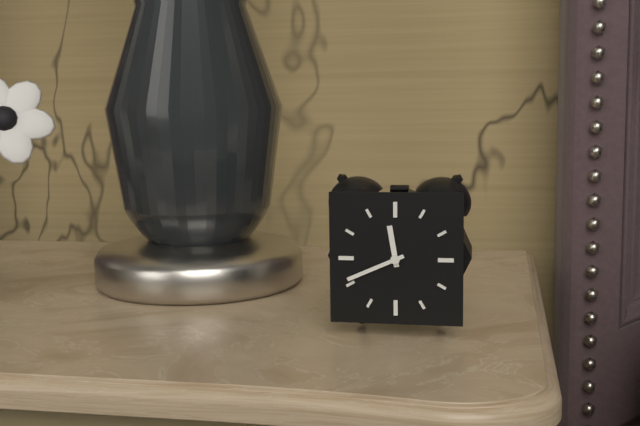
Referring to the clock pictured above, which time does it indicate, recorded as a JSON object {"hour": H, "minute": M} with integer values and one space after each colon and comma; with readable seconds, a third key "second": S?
{"hour": 11, "minute": 41}
